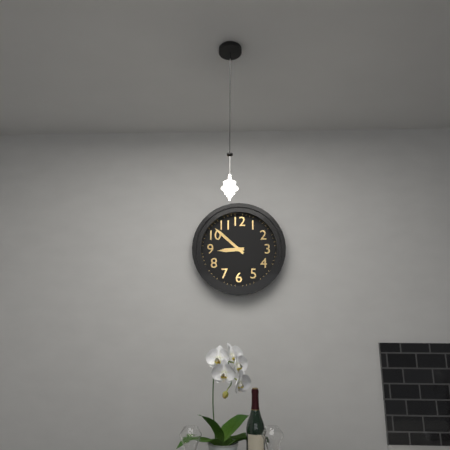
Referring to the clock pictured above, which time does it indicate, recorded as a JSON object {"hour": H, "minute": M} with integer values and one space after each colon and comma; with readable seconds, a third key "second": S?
{"hour": 8, "minute": 52}
